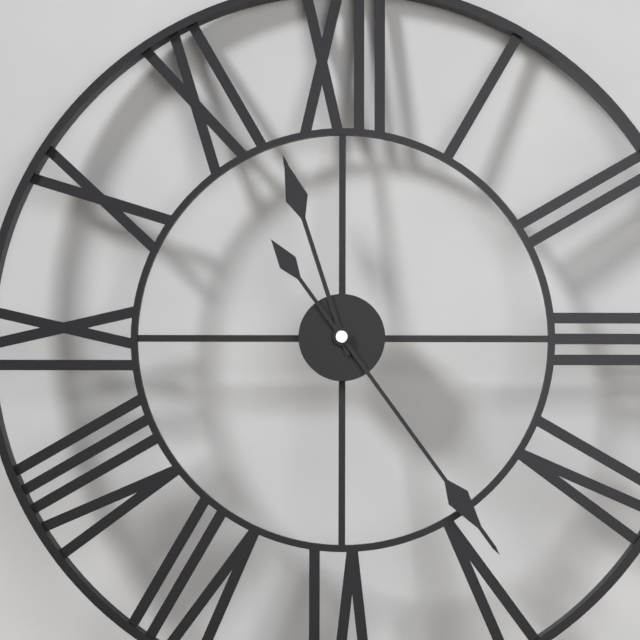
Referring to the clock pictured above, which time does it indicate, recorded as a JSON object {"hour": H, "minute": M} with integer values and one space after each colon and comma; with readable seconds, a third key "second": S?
{"hour": 11, "minute": 24}
